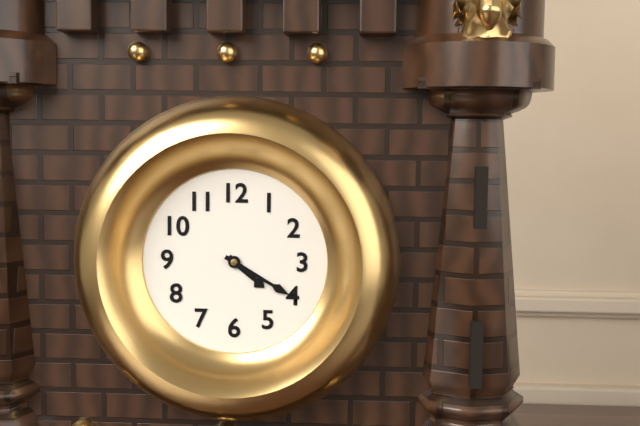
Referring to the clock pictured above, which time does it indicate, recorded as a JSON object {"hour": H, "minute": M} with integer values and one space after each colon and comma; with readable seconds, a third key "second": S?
{"hour": 4, "minute": 20}
